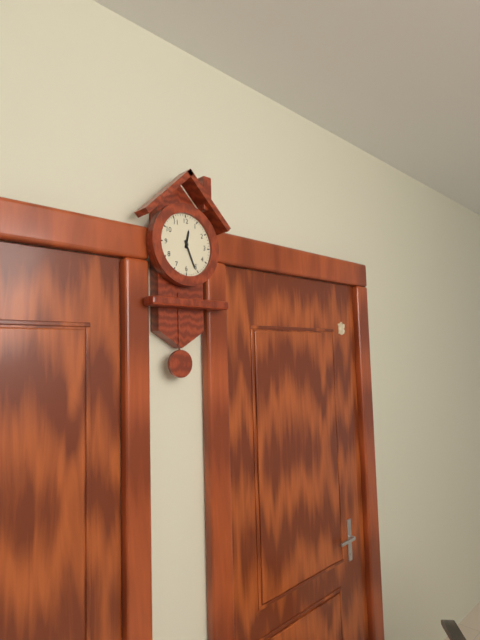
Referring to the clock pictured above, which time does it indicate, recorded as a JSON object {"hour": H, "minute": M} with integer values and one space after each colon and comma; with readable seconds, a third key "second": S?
{"hour": 12, "minute": 26}
